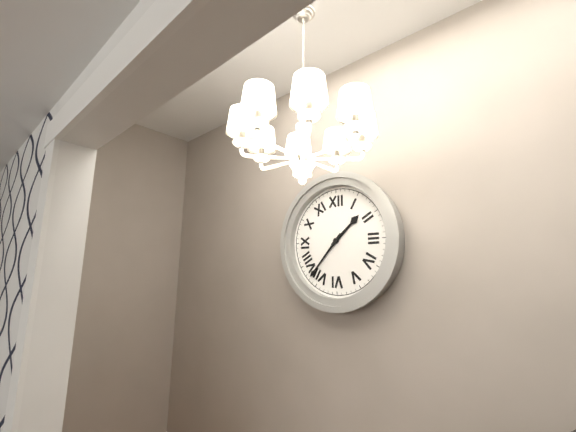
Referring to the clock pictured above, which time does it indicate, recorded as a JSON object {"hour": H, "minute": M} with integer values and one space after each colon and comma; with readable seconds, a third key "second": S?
{"hour": 1, "minute": 37}
